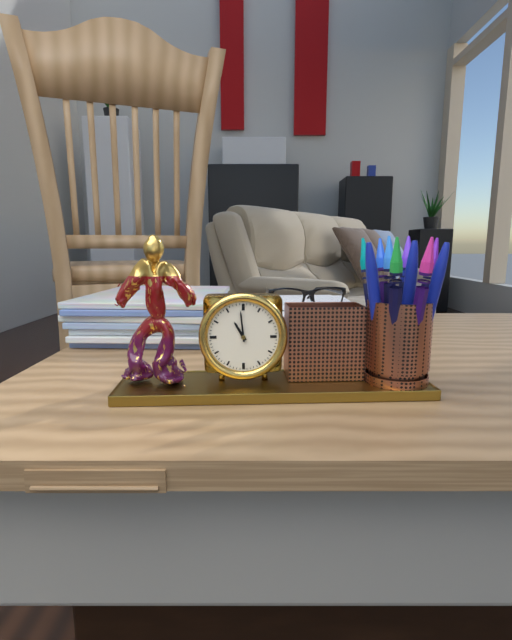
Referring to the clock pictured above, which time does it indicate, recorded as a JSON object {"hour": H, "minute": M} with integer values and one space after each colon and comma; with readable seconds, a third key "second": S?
{"hour": 10, "minute": 59}
